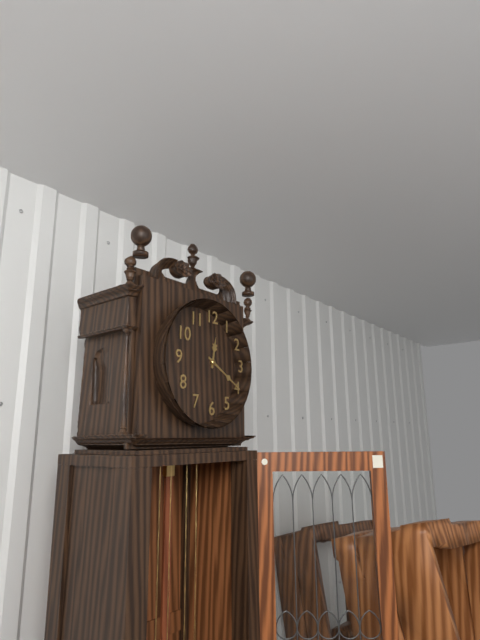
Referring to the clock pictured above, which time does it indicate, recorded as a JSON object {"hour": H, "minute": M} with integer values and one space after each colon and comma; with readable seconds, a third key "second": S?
{"hour": 12, "minute": 20}
